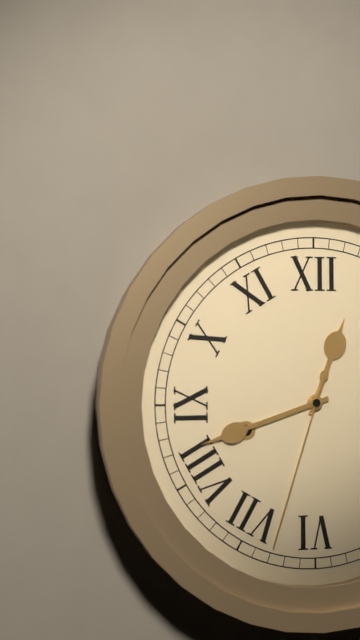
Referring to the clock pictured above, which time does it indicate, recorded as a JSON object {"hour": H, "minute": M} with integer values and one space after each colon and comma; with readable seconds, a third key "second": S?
{"hour": 12, "minute": 42, "second": 33}
